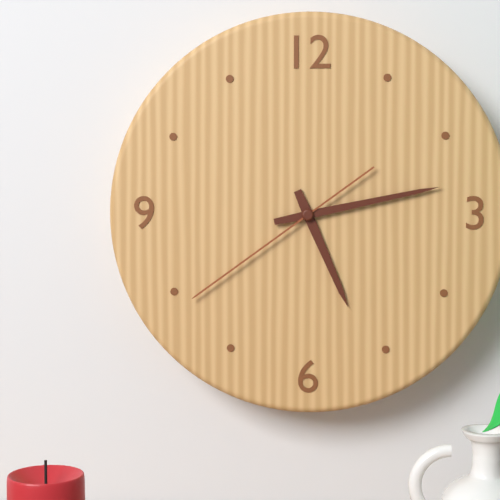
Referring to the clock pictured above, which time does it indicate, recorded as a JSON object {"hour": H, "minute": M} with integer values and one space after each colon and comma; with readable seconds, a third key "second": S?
{"hour": 5, "minute": 13, "second": 39}
